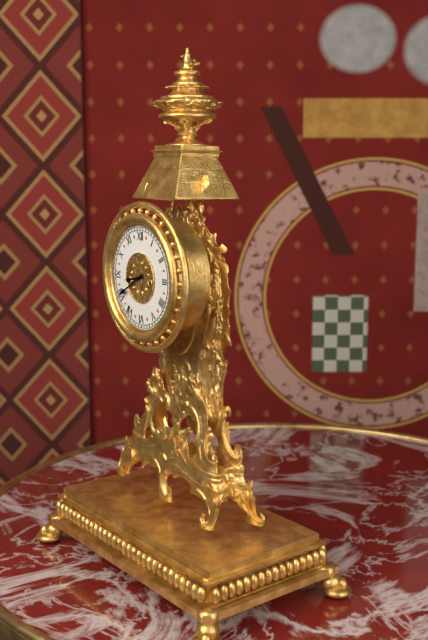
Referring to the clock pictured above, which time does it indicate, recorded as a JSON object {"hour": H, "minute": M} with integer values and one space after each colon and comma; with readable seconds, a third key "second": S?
{"hour": 8, "minute": 40}
